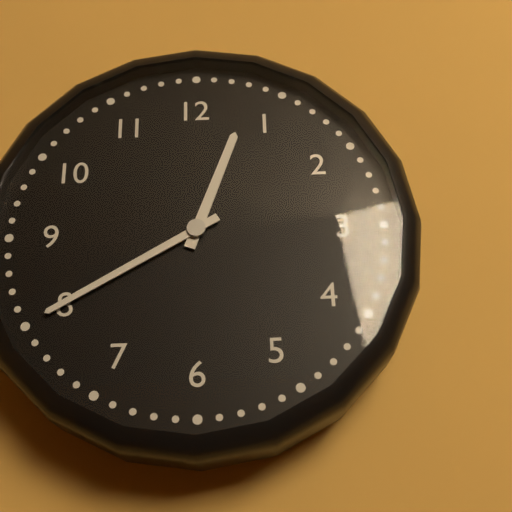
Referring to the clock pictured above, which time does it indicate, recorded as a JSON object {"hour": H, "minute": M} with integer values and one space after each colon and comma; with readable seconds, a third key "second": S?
{"hour": 12, "minute": 40}
